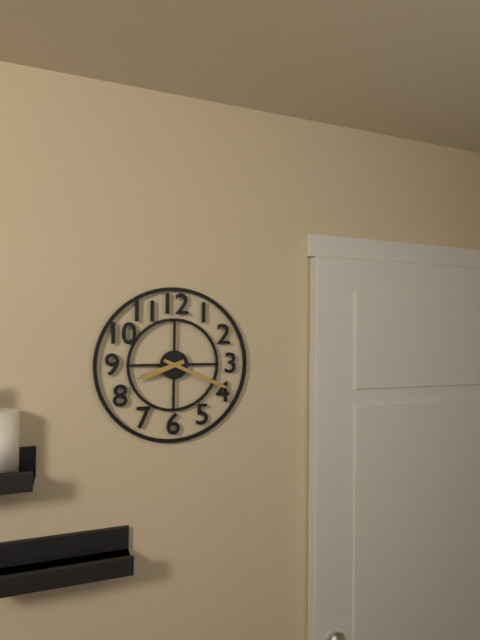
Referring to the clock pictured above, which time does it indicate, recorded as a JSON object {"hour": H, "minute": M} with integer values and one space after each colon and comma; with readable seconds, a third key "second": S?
{"hour": 8, "minute": 19}
